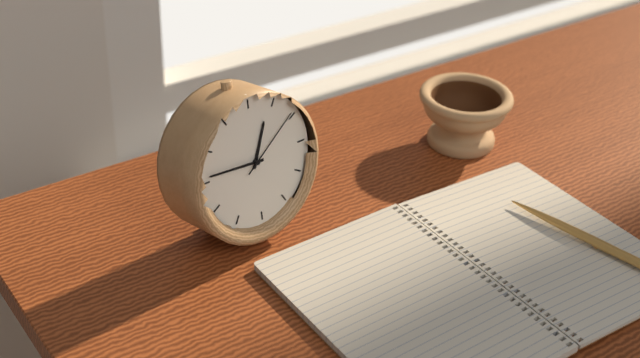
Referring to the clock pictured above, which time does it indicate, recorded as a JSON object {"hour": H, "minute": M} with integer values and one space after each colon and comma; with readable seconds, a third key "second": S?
{"hour": 12, "minute": 46, "second": 9}
